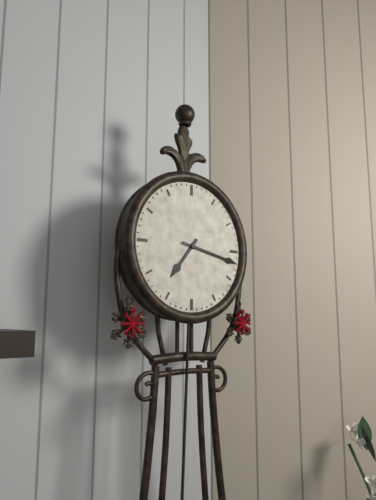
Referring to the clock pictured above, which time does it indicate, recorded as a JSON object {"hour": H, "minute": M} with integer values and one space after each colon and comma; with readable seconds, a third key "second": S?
{"hour": 7, "minute": 17}
